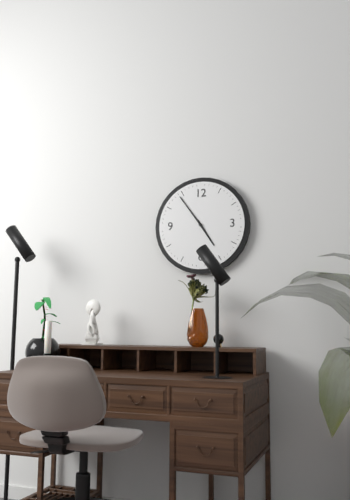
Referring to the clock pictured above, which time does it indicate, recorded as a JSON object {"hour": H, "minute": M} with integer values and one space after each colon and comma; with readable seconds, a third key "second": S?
{"hour": 4, "minute": 54}
